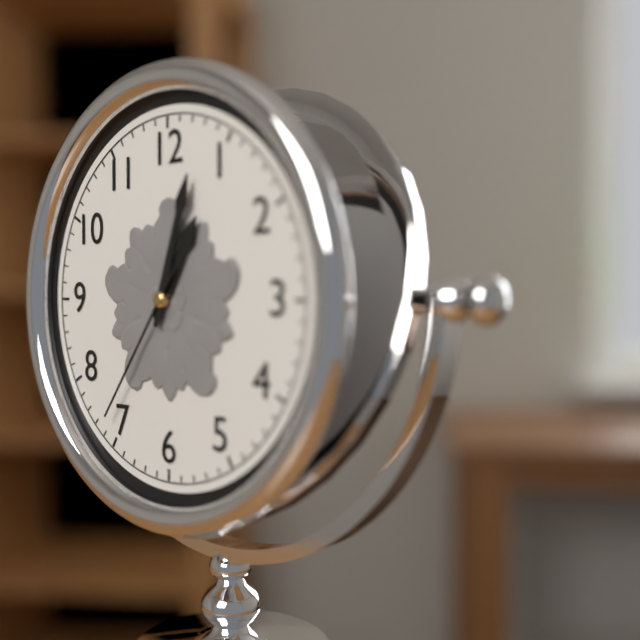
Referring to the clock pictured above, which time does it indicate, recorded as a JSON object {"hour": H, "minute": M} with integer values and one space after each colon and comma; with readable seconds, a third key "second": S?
{"hour": 1, "minute": 3, "second": 36}
